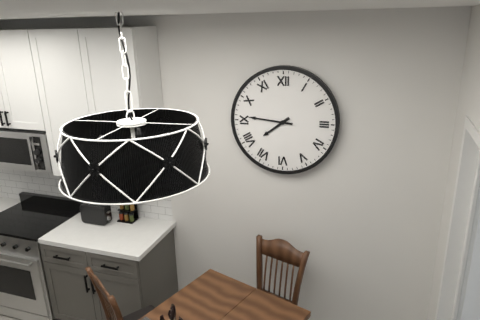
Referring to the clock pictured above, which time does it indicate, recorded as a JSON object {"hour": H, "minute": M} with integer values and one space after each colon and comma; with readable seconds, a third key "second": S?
{"hour": 7, "minute": 46}
